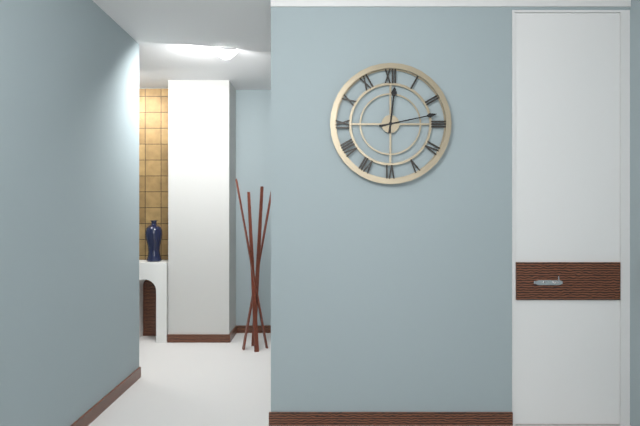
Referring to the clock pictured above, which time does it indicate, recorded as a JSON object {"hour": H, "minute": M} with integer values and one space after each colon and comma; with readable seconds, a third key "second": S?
{"hour": 12, "minute": 13}
